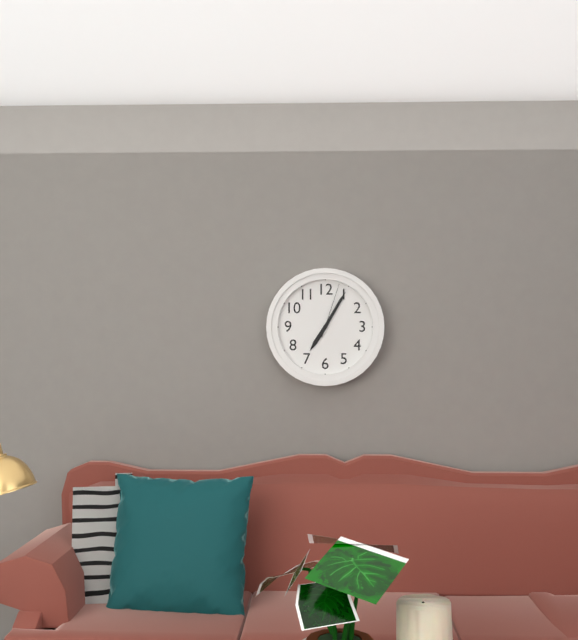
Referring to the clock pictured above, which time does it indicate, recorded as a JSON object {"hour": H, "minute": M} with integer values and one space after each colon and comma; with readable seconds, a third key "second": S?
{"hour": 7, "minute": 5, "second": 3}
